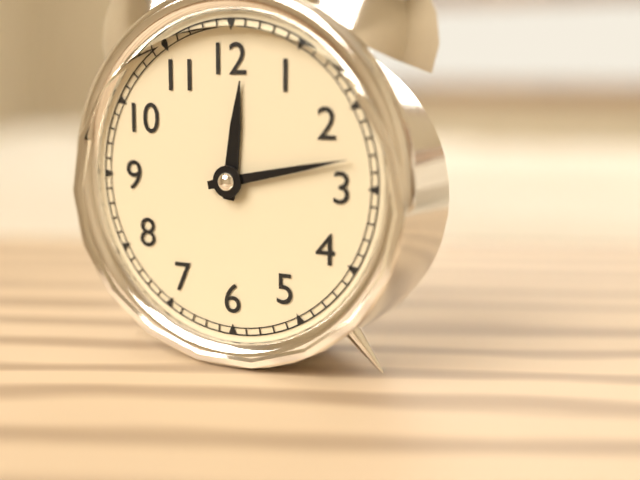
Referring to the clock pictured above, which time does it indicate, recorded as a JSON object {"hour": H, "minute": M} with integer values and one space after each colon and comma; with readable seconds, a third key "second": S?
{"hour": 12, "minute": 13}
